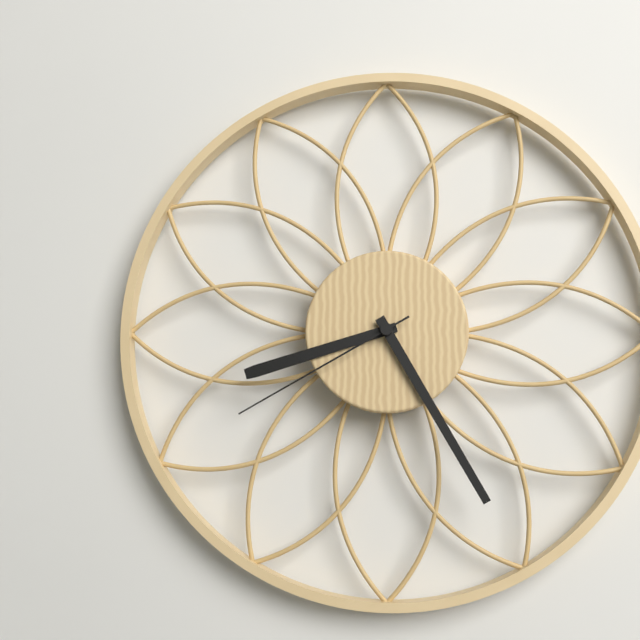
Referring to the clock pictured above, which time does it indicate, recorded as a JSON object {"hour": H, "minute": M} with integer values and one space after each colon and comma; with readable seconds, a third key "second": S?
{"hour": 8, "minute": 25, "second": 40}
